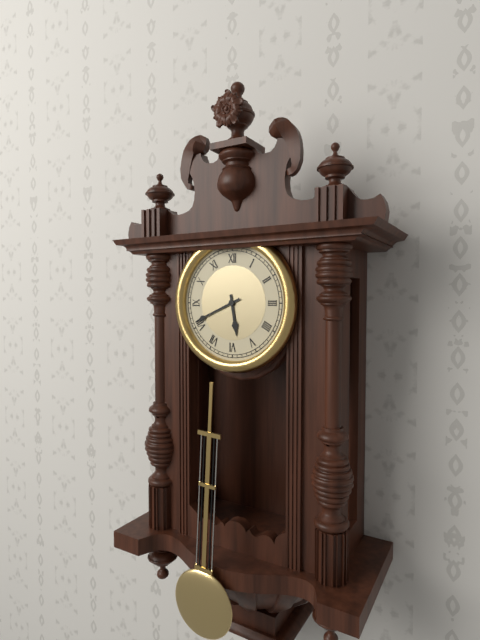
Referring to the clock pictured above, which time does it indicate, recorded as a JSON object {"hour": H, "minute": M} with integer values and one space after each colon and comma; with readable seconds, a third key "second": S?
{"hour": 5, "minute": 41}
